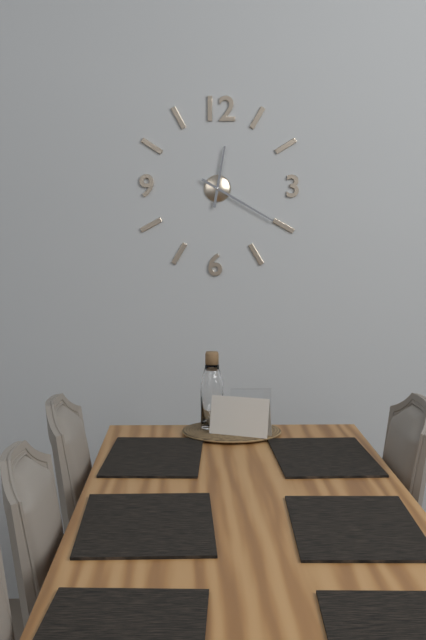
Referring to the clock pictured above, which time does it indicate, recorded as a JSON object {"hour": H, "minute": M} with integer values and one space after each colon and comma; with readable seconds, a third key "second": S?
{"hour": 12, "minute": 20}
